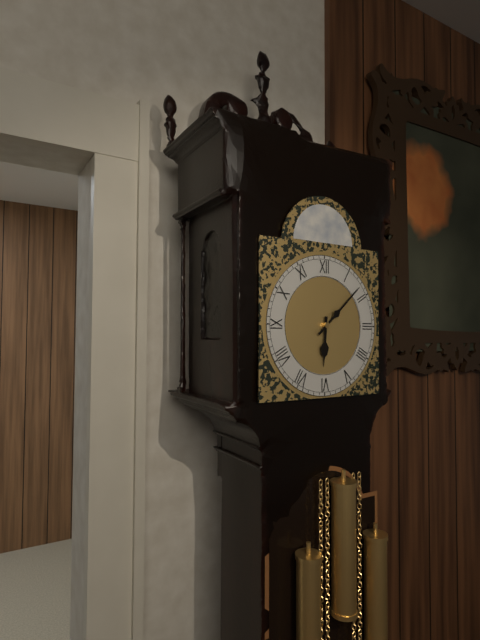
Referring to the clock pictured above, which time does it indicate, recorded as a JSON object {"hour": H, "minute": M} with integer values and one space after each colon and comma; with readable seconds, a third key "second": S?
{"hour": 6, "minute": 8}
